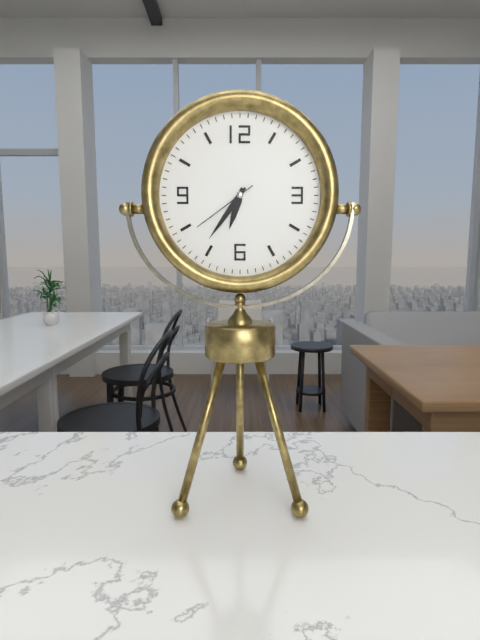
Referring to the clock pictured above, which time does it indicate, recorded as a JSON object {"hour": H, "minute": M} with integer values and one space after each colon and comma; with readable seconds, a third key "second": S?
{"hour": 6, "minute": 36, "second": 39}
